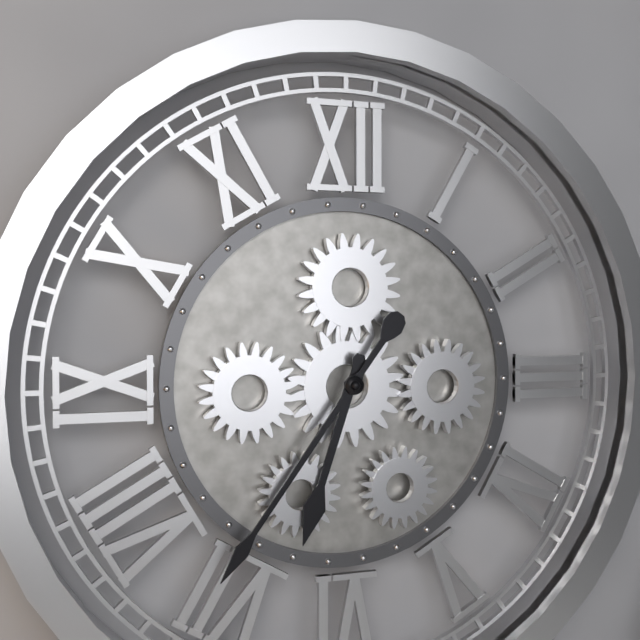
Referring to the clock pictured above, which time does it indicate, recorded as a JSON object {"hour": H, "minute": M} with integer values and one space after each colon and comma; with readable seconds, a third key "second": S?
{"hour": 6, "minute": 36}
